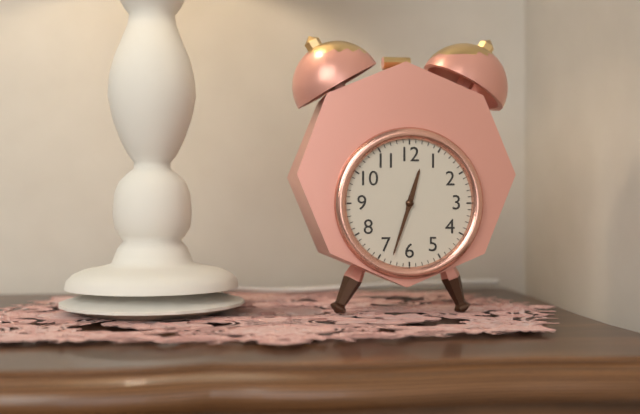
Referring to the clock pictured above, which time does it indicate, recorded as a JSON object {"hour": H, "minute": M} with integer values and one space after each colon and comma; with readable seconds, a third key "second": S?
{"hour": 12, "minute": 33}
